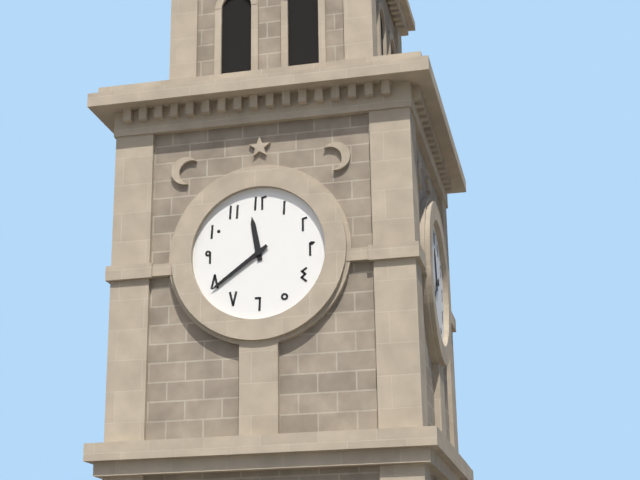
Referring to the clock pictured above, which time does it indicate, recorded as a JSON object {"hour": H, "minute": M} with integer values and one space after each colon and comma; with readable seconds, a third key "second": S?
{"hour": 11, "minute": 39}
